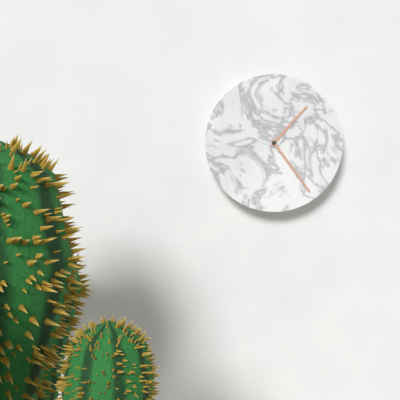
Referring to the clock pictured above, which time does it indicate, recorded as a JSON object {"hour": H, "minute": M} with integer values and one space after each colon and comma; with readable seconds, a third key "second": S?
{"hour": 1, "minute": 24}
